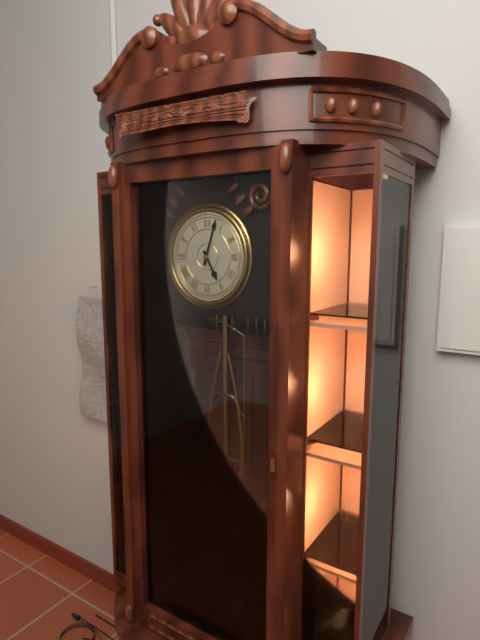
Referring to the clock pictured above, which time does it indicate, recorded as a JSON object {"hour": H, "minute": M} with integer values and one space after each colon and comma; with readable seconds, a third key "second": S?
{"hour": 5, "minute": 3}
